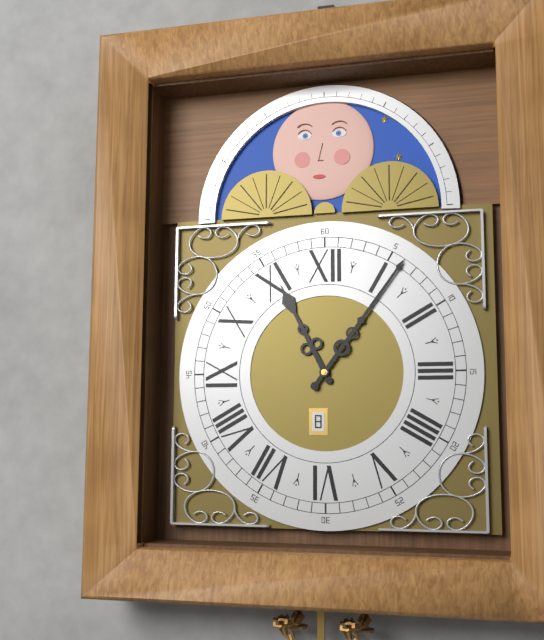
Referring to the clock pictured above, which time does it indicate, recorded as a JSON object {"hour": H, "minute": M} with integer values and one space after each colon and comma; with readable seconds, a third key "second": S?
{"hour": 11, "minute": 6}
